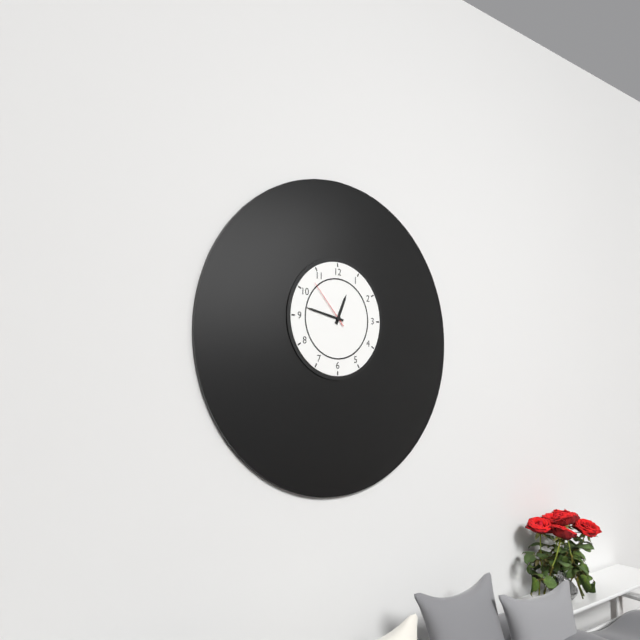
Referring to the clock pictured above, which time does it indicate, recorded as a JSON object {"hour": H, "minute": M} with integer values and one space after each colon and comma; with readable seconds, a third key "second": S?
{"hour": 12, "minute": 47, "second": 53}
